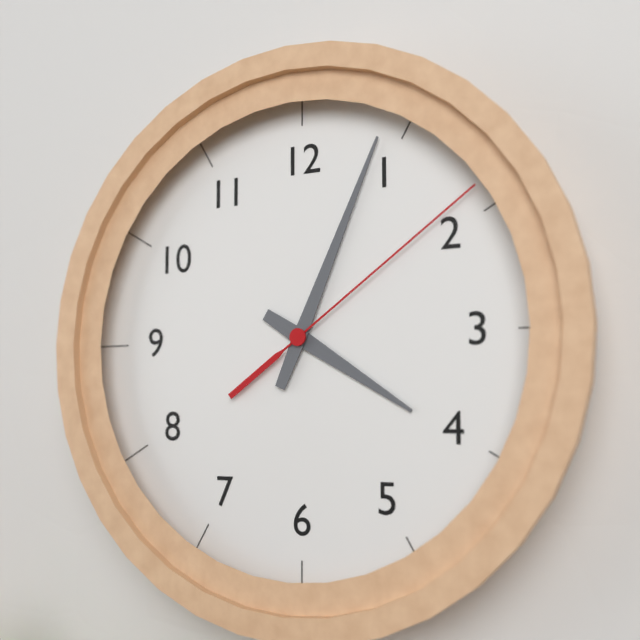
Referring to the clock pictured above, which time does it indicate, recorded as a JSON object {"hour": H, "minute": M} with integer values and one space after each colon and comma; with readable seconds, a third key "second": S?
{"hour": 4, "minute": 4, "second": 9}
